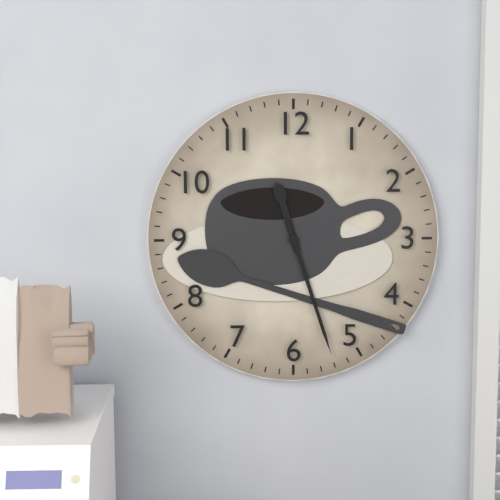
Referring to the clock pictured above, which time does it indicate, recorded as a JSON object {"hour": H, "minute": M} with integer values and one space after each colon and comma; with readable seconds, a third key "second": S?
{"hour": 11, "minute": 27}
